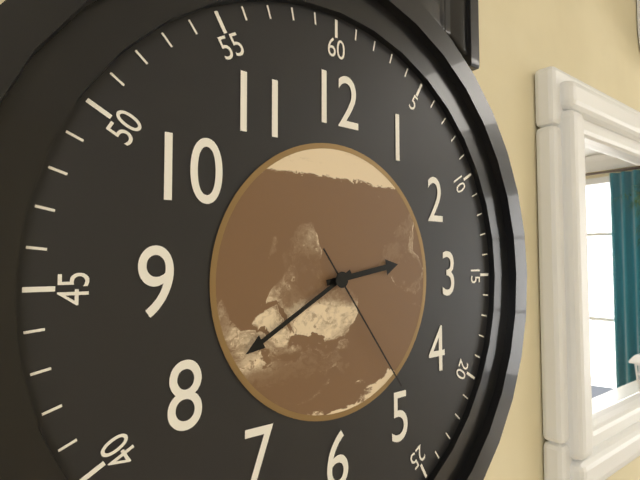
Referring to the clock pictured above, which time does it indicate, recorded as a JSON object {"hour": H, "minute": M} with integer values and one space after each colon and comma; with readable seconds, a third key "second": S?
{"hour": 2, "minute": 40, "second": 24}
